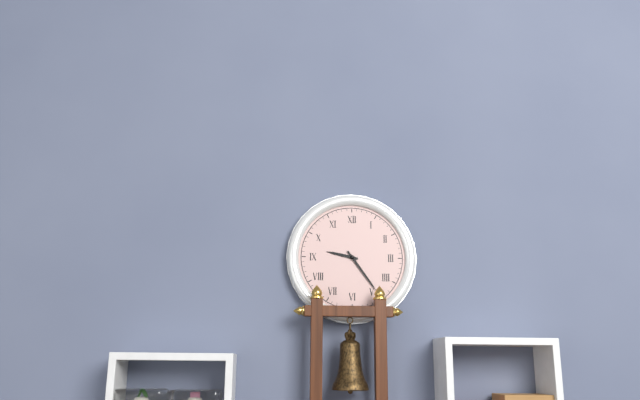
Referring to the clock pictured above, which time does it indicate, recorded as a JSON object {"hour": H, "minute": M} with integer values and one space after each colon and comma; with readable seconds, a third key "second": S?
{"hour": 9, "minute": 24}
